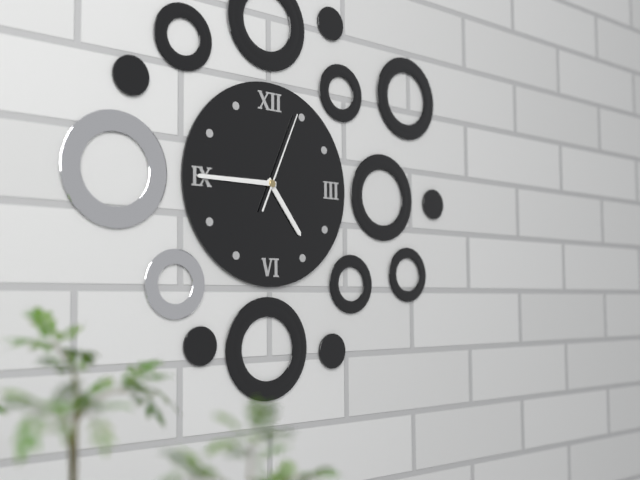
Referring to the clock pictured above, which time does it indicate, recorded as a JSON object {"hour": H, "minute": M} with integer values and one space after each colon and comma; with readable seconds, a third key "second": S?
{"hour": 4, "minute": 45, "second": 4}
